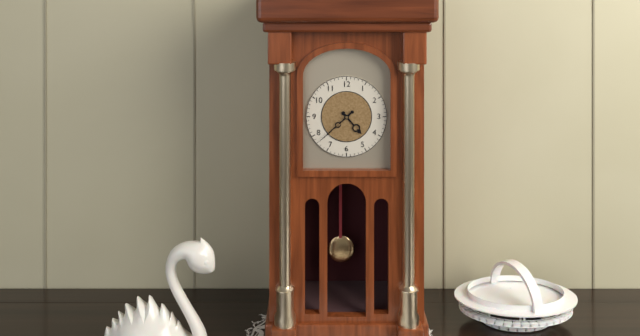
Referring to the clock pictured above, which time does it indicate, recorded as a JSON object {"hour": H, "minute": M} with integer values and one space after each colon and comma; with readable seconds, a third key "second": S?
{"hour": 4, "minute": 38}
